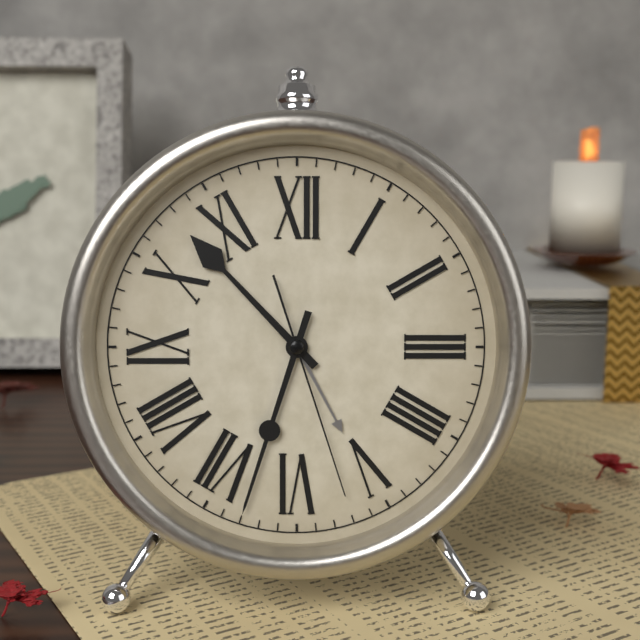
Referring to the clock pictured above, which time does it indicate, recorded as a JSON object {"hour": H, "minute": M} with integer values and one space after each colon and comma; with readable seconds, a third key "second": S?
{"hour": 10, "minute": 33, "second": 27}
